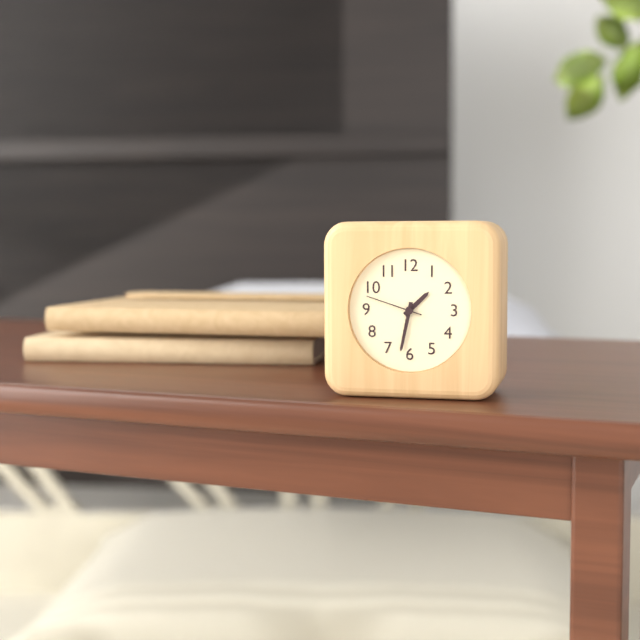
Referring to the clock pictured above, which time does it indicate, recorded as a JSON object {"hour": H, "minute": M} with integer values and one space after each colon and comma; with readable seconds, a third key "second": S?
{"hour": 1, "minute": 32, "second": 48}
